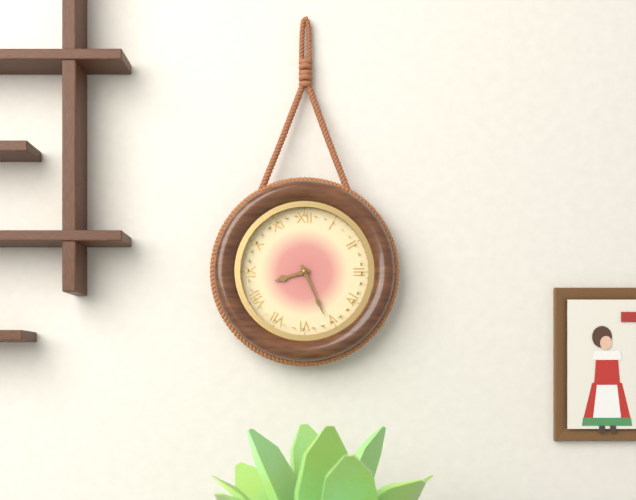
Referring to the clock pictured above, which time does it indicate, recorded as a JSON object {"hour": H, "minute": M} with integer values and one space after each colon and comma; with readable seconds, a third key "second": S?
{"hour": 8, "minute": 26}
